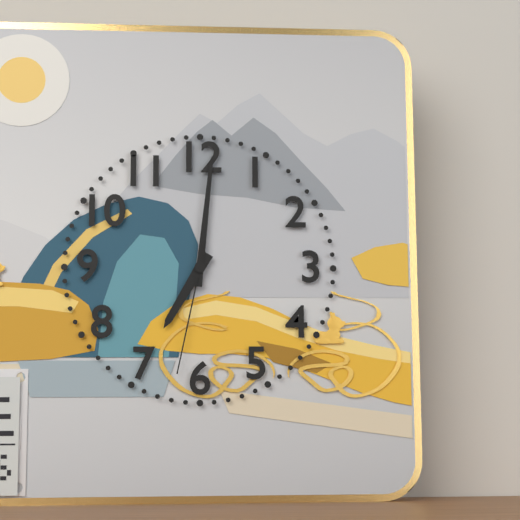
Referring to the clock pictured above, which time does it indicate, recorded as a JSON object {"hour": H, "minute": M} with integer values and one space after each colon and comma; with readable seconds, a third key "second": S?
{"hour": 7, "minute": 1, "second": 32}
